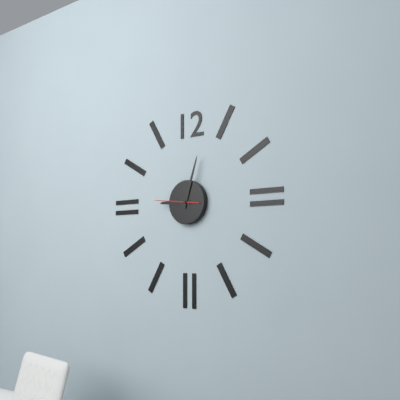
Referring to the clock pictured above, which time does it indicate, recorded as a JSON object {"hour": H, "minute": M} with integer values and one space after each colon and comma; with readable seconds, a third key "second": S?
{"hour": 9, "minute": 3}
